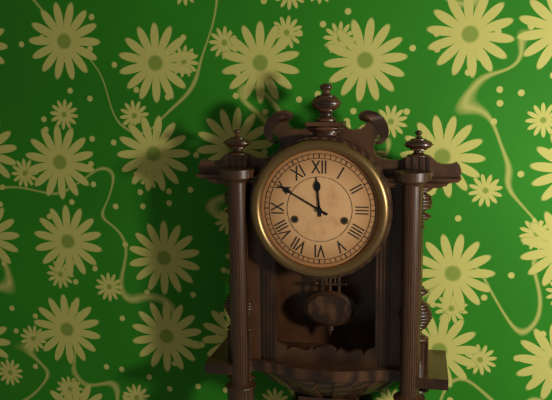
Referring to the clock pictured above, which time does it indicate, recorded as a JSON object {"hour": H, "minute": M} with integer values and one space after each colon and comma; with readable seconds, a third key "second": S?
{"hour": 11, "minute": 50}
